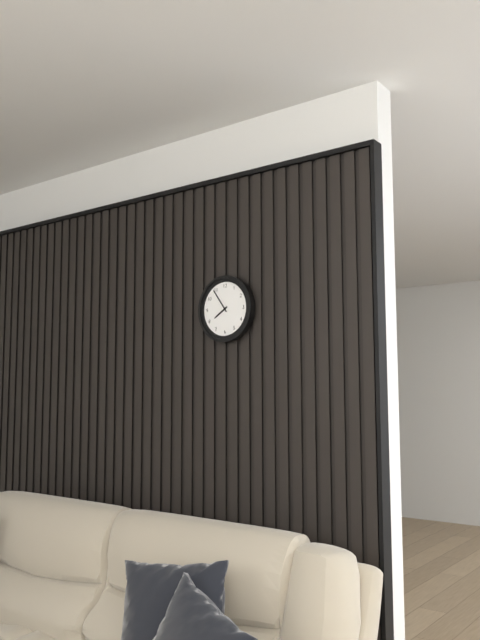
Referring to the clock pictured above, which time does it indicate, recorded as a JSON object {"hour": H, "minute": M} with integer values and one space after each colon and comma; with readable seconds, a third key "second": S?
{"hour": 7, "minute": 54}
